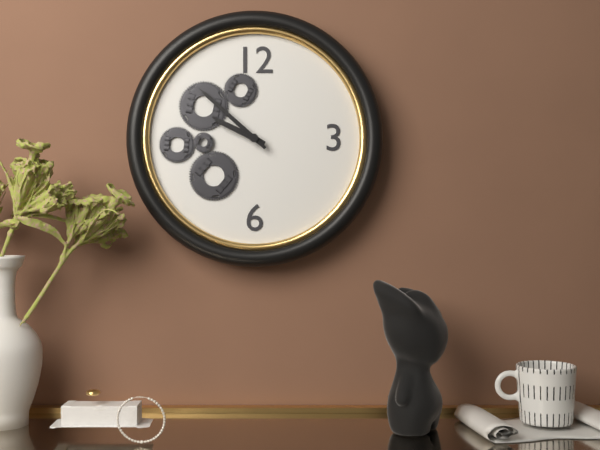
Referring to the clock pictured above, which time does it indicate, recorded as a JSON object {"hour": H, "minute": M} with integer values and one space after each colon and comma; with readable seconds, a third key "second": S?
{"hour": 9, "minute": 52}
